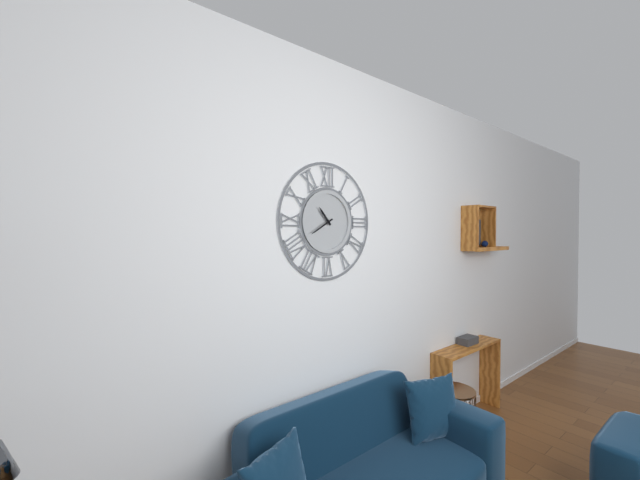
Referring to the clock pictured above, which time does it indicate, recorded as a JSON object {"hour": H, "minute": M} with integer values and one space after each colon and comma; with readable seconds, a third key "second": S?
{"hour": 10, "minute": 40}
